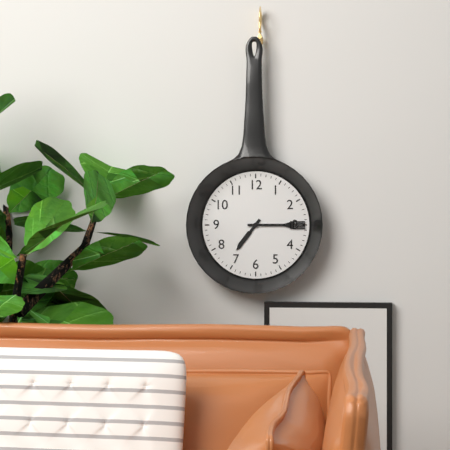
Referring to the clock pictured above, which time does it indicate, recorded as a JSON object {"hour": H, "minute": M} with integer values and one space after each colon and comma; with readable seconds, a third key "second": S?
{"hour": 7, "minute": 15}
